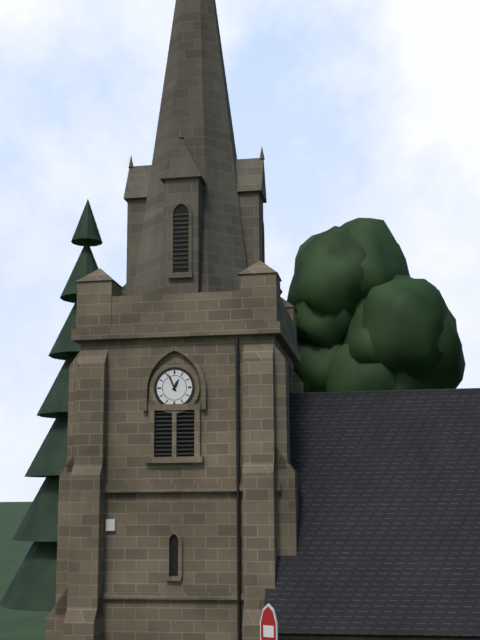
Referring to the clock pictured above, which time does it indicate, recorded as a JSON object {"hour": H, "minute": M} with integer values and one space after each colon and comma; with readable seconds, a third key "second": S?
{"hour": 12, "minute": 56}
